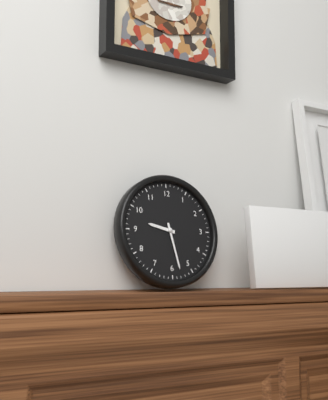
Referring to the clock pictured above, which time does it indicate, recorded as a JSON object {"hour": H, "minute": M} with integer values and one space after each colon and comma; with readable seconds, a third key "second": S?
{"hour": 9, "minute": 28}
